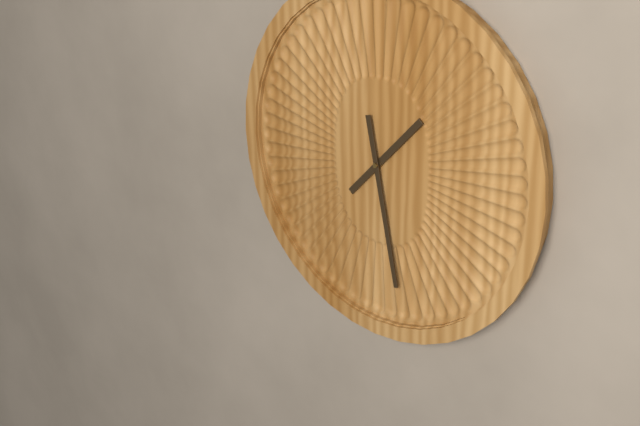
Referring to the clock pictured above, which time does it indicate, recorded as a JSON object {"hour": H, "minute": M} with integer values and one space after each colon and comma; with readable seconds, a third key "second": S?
{"hour": 1, "minute": 28}
